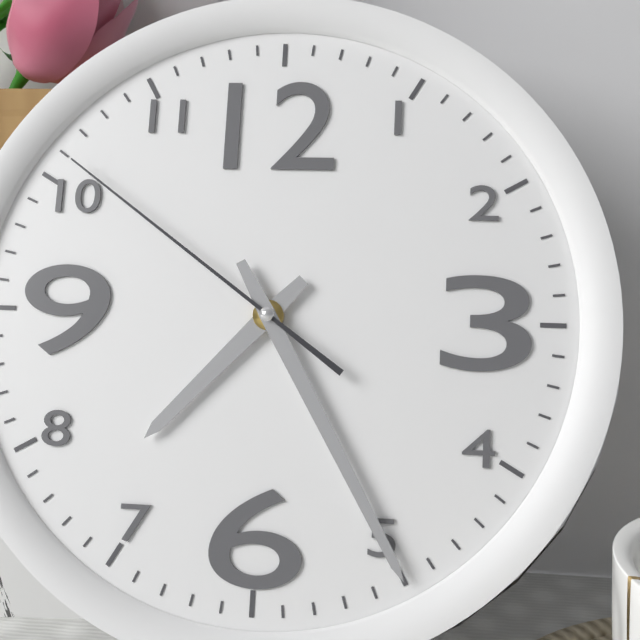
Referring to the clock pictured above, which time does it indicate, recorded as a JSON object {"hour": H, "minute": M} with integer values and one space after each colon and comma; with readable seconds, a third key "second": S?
{"hour": 7, "minute": 25, "second": 51}
